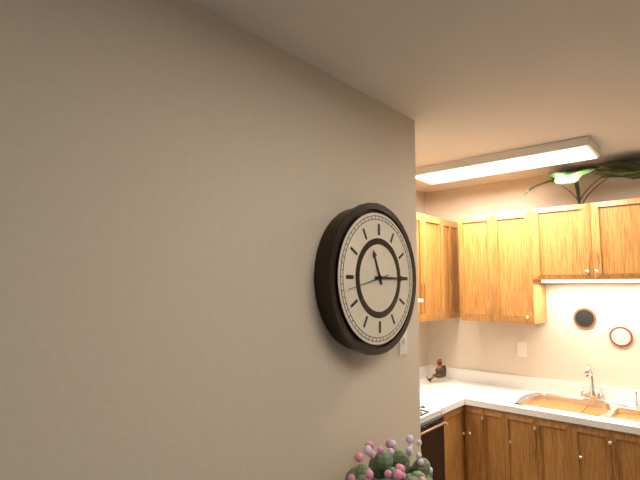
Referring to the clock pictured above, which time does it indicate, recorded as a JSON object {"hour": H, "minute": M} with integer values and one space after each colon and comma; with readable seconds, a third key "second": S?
{"hour": 11, "minute": 15}
